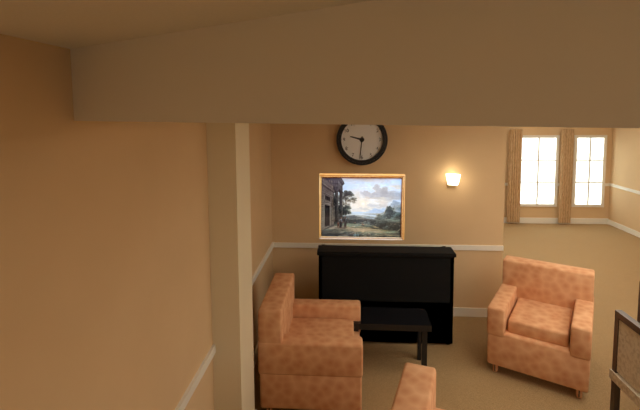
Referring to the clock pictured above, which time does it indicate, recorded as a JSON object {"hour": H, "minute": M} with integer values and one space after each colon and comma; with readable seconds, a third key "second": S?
{"hour": 9, "minute": 31}
